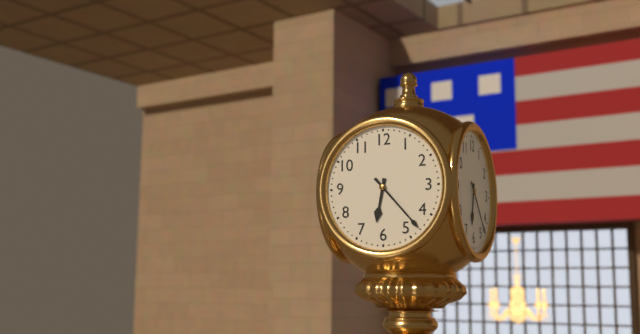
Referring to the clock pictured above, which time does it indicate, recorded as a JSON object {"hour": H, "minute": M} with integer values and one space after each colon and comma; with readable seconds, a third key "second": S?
{"hour": 6, "minute": 23}
